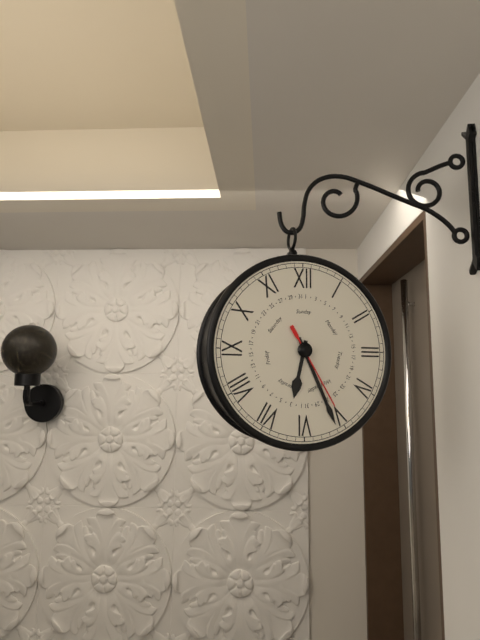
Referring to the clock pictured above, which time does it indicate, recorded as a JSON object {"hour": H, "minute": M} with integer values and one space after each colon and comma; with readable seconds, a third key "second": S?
{"hour": 6, "minute": 26, "second": 25}
